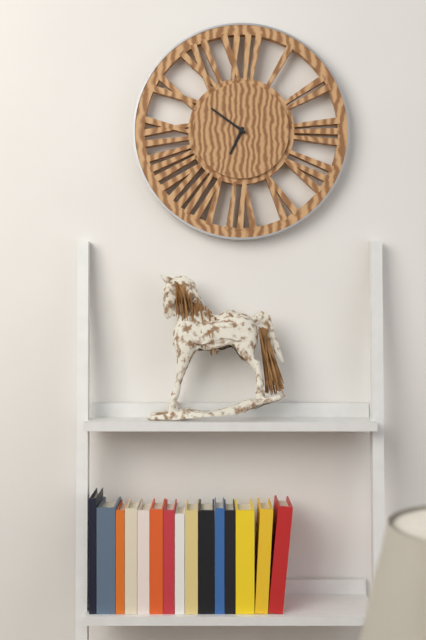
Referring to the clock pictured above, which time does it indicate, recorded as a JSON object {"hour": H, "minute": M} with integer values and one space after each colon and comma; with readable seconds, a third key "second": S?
{"hour": 6, "minute": 51}
